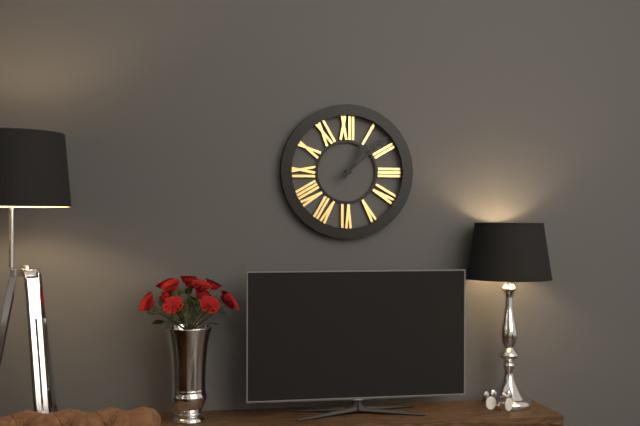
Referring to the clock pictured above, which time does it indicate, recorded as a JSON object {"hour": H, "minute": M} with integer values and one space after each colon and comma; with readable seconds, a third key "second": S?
{"hour": 1, "minute": 8}
